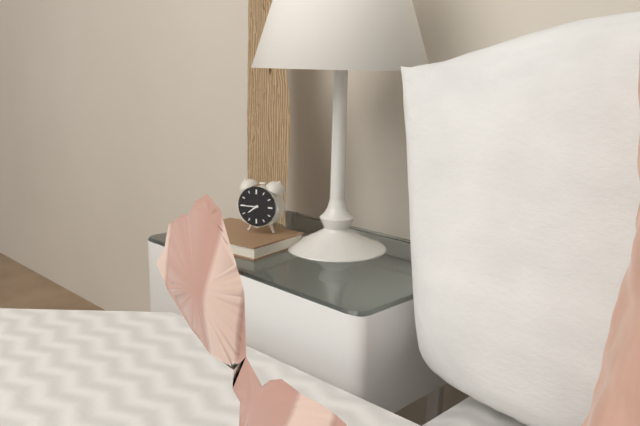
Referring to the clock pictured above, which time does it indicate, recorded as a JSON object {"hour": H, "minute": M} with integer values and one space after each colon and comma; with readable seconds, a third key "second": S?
{"hour": 7, "minute": 45}
